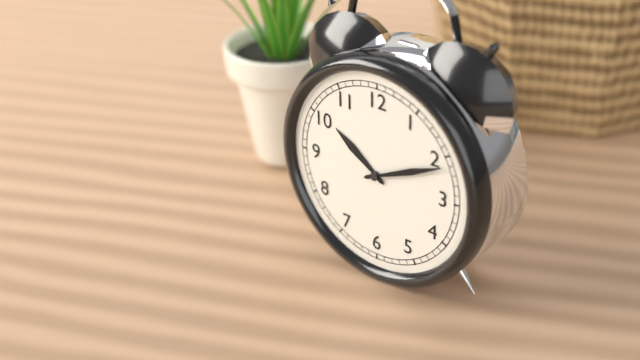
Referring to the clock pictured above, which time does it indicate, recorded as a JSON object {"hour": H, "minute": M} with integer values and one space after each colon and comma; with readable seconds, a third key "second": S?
{"hour": 10, "minute": 11}
